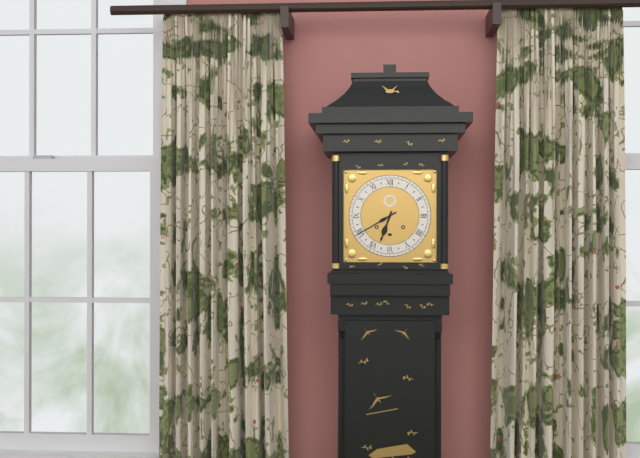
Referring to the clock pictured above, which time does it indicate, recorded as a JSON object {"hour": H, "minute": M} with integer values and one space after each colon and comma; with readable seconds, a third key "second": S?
{"hour": 6, "minute": 40}
